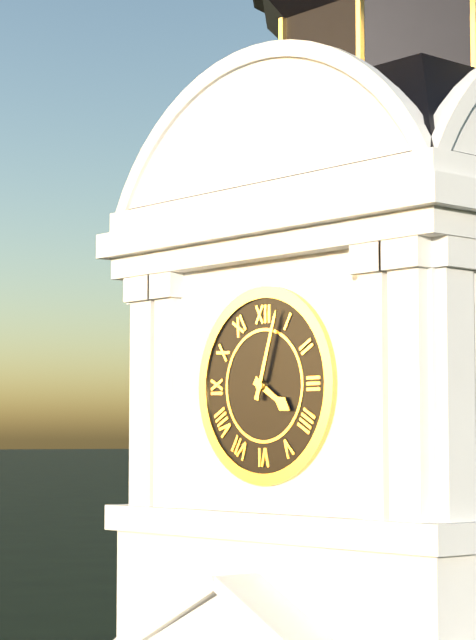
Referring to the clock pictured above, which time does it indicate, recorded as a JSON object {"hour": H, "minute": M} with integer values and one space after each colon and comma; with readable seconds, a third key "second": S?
{"hour": 4, "minute": 3}
